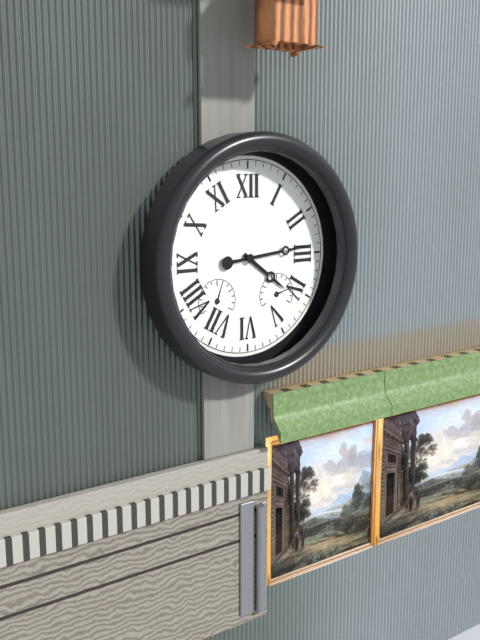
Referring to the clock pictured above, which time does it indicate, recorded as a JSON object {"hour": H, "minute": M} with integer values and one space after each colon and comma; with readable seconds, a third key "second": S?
{"hour": 4, "minute": 14}
